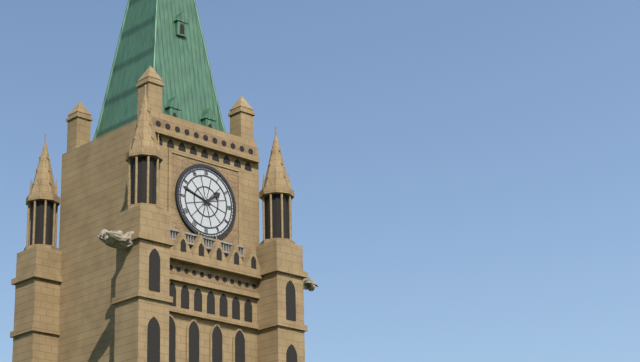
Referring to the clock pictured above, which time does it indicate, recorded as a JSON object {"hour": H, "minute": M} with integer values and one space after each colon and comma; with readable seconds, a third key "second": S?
{"hour": 1, "minute": 48}
